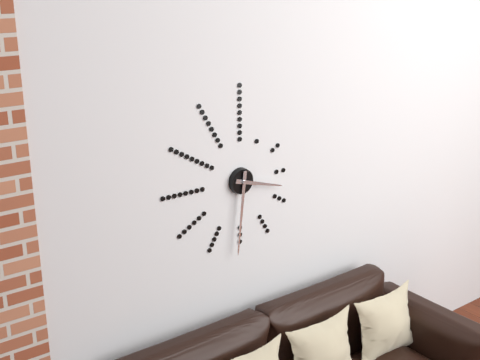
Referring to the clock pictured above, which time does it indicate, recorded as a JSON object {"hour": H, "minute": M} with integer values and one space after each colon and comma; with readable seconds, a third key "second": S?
{"hour": 3, "minute": 31}
